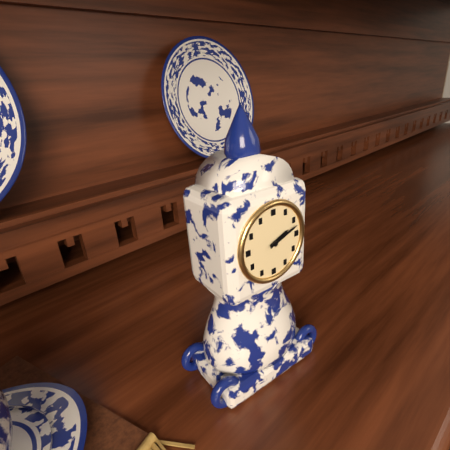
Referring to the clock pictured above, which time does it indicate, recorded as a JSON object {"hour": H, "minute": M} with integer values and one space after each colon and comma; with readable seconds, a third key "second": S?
{"hour": 2, "minute": 12}
